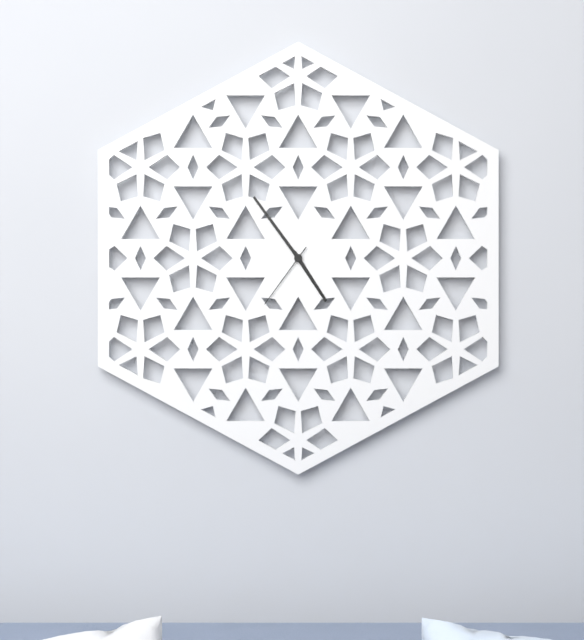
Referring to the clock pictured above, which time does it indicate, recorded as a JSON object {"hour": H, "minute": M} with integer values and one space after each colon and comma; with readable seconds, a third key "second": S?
{"hour": 4, "minute": 54, "second": 36}
